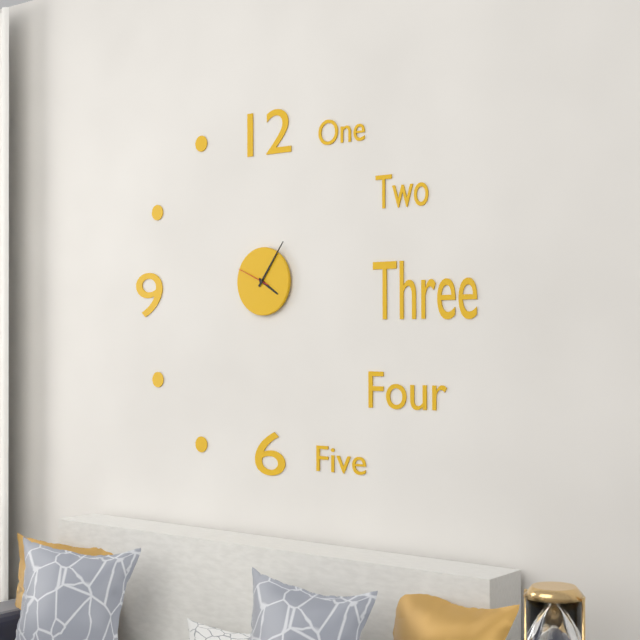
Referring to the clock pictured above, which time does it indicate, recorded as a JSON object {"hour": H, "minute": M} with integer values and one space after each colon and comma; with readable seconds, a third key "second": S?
{"hour": 4, "minute": 6}
